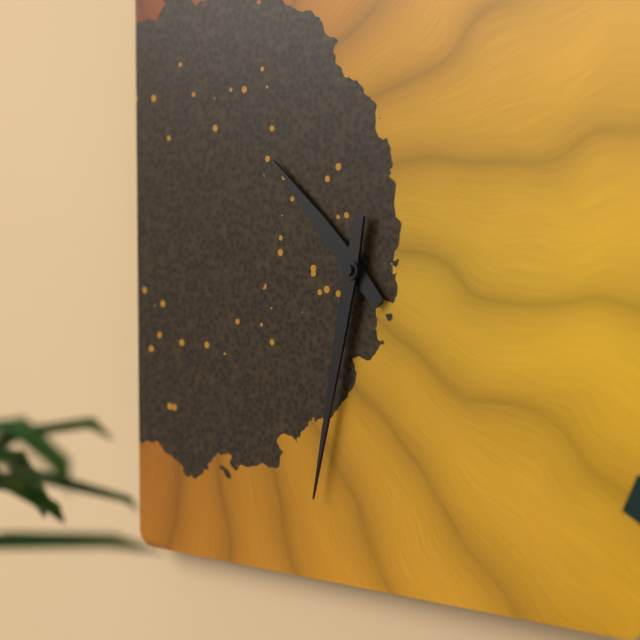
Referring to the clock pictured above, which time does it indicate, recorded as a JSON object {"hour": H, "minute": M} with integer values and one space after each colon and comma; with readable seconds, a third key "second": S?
{"hour": 10, "minute": 32}
